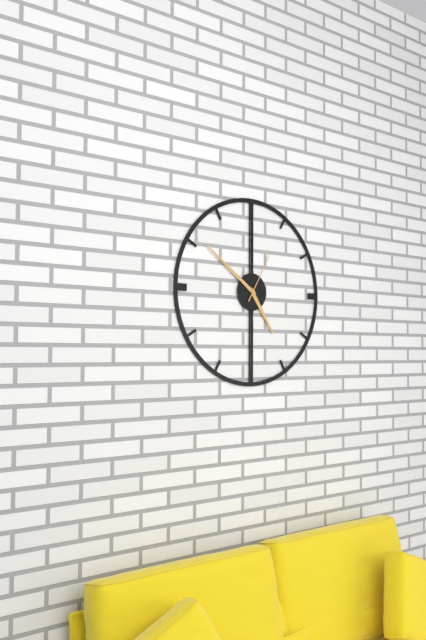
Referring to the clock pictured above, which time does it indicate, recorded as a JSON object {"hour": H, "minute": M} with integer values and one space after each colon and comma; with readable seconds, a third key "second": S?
{"hour": 4, "minute": 51, "second": 5}
